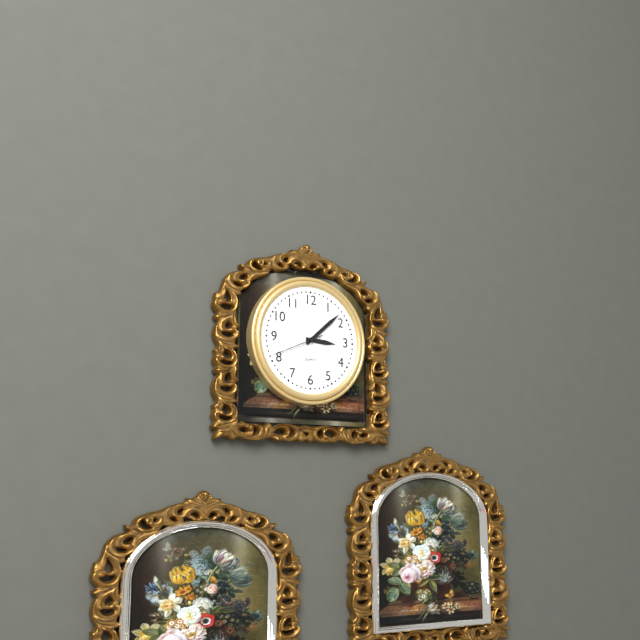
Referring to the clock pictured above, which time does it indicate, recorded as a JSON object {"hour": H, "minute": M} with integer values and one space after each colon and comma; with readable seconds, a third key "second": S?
{"hour": 3, "minute": 8, "second": 41}
